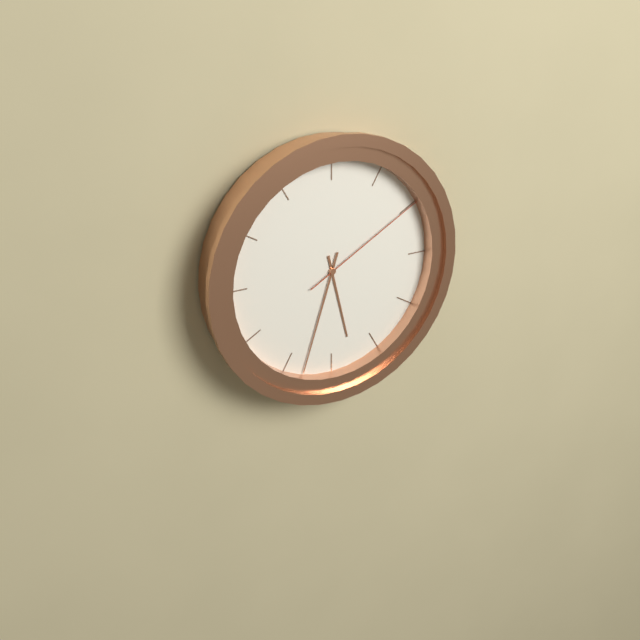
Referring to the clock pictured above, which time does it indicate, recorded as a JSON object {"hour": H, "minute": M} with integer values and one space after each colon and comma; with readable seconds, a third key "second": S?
{"hour": 5, "minute": 33, "second": 10}
